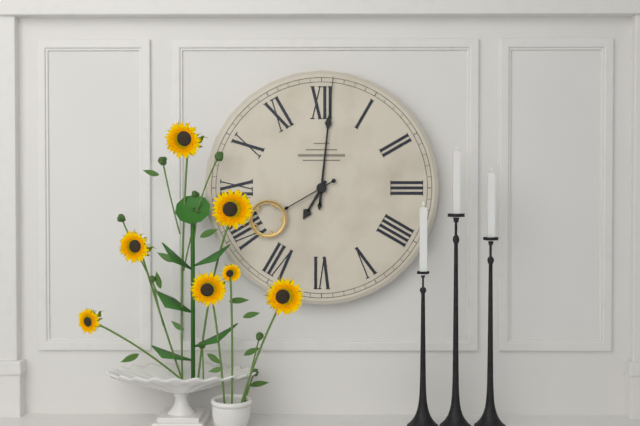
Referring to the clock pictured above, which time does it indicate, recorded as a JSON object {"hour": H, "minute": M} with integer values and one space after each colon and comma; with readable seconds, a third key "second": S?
{"hour": 7, "minute": 1, "second": 40}
